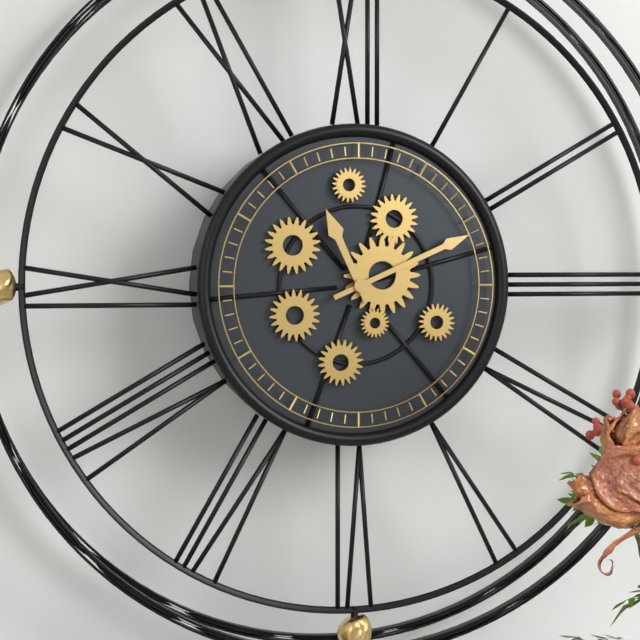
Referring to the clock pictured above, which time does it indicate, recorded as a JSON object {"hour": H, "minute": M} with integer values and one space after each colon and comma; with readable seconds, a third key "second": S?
{"hour": 11, "minute": 11}
